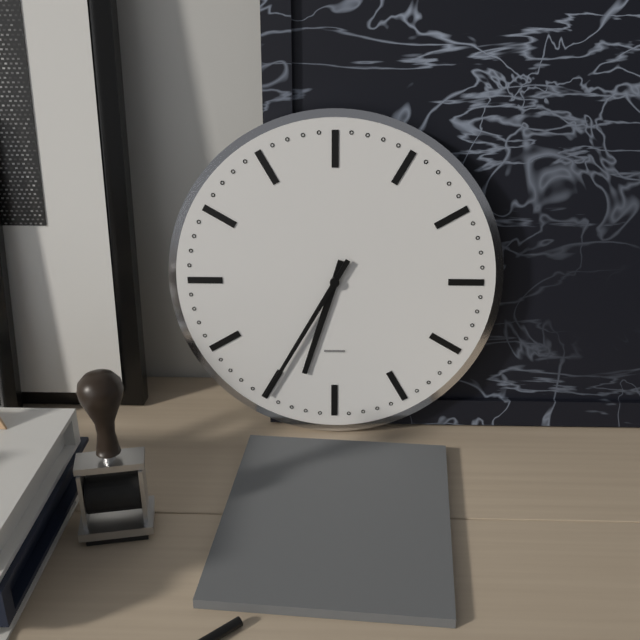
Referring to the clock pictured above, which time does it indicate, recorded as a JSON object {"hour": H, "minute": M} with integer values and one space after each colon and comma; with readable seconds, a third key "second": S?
{"hour": 6, "minute": 35}
